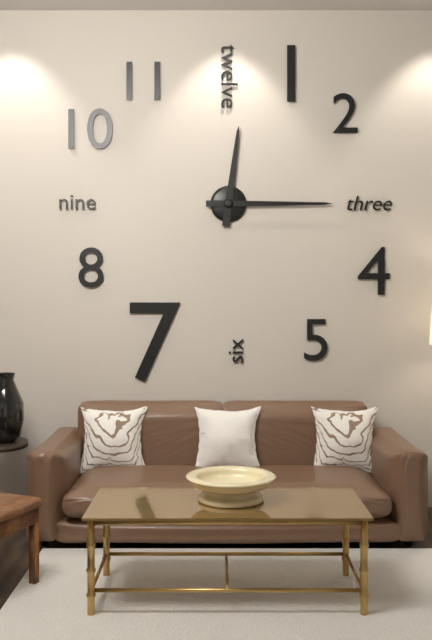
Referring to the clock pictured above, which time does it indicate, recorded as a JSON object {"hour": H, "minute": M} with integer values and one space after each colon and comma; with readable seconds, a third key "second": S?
{"hour": 12, "minute": 15}
